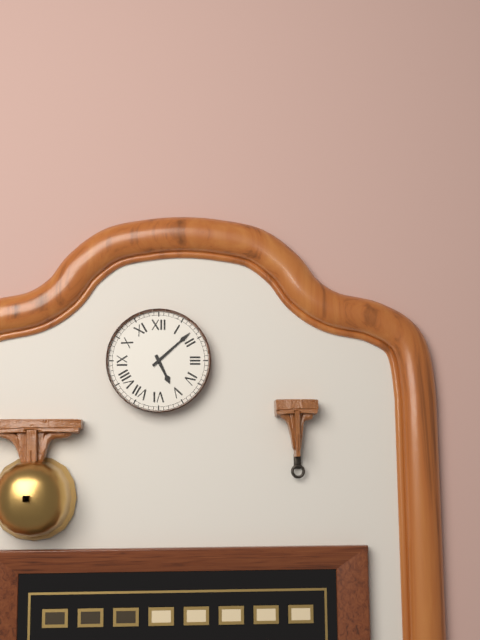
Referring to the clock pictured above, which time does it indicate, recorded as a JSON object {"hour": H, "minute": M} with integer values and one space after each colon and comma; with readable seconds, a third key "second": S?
{"hour": 5, "minute": 8}
